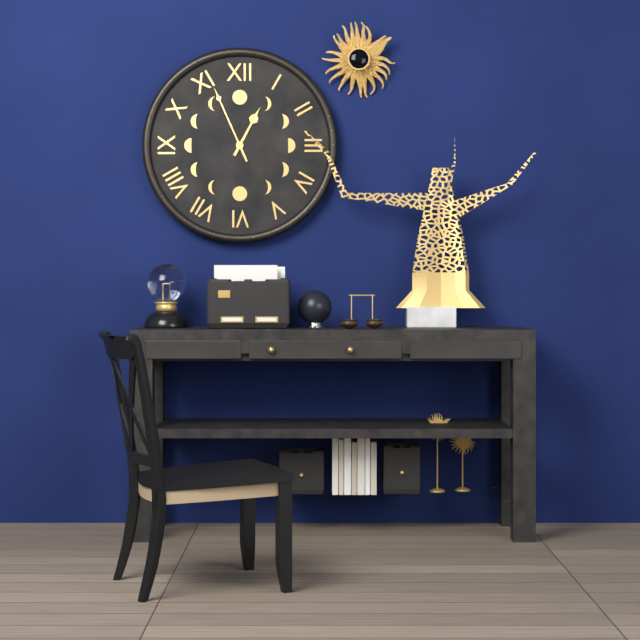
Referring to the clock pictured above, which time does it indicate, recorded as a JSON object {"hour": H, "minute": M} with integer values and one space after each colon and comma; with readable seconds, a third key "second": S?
{"hour": 12, "minute": 56}
